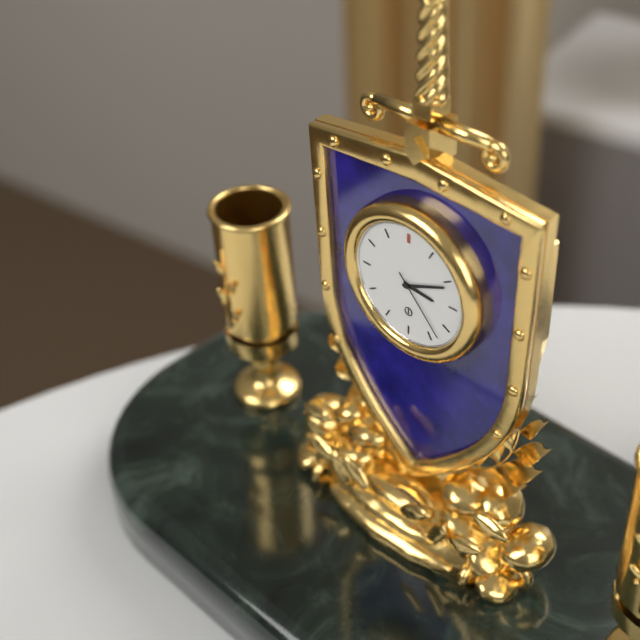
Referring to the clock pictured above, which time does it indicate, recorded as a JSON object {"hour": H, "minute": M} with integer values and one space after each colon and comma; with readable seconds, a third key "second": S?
{"hour": 3, "minute": 11, "second": 23}
